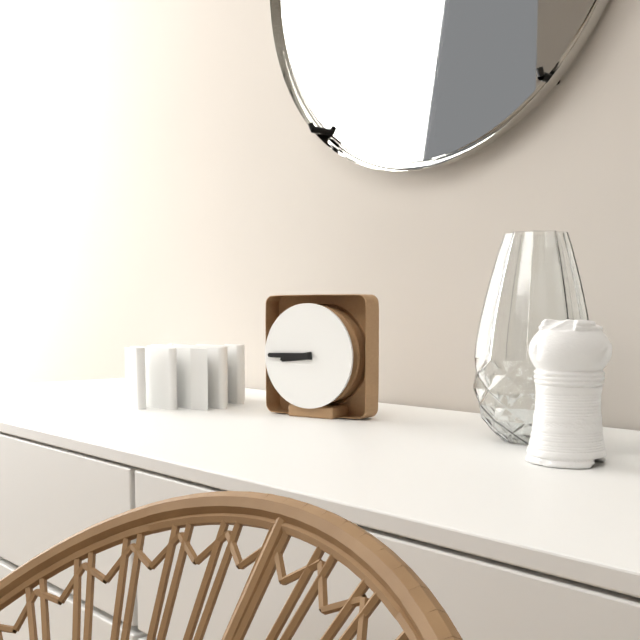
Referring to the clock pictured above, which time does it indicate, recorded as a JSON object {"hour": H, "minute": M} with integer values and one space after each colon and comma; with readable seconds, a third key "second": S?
{"hour": 8, "minute": 45}
